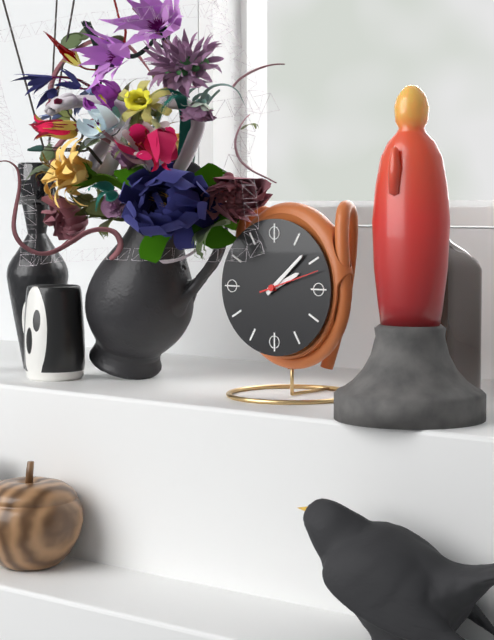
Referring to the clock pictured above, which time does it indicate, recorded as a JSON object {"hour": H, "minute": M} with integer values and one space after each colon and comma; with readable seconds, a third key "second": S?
{"hour": 2, "minute": 8}
